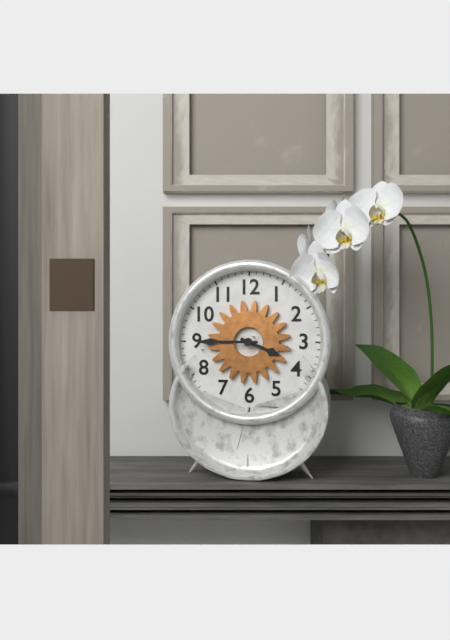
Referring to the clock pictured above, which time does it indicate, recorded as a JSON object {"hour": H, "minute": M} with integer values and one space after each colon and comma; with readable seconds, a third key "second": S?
{"hour": 3, "minute": 45}
